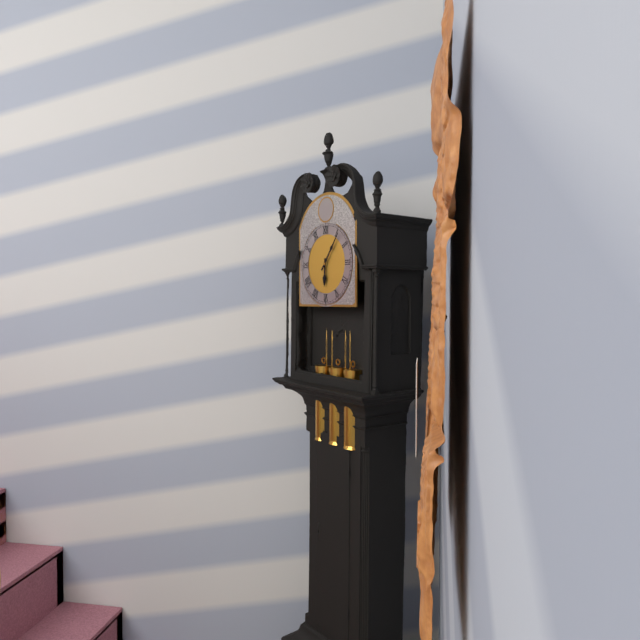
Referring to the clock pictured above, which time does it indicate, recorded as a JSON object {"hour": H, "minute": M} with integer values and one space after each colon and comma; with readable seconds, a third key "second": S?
{"hour": 6, "minute": 6}
